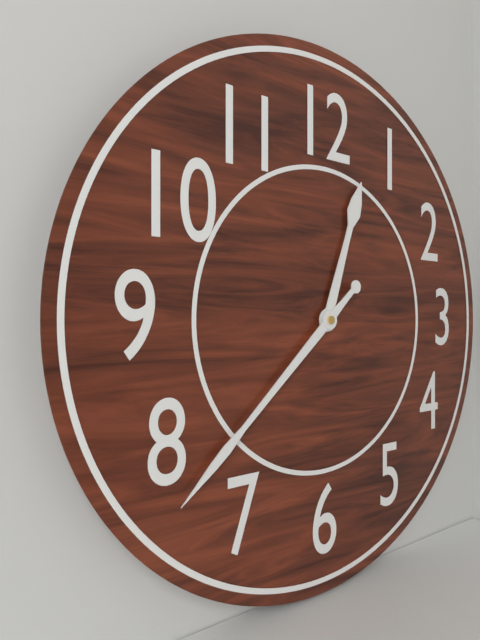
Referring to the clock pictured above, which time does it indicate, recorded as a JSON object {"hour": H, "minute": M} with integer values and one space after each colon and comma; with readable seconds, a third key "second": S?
{"hour": 12, "minute": 38}
